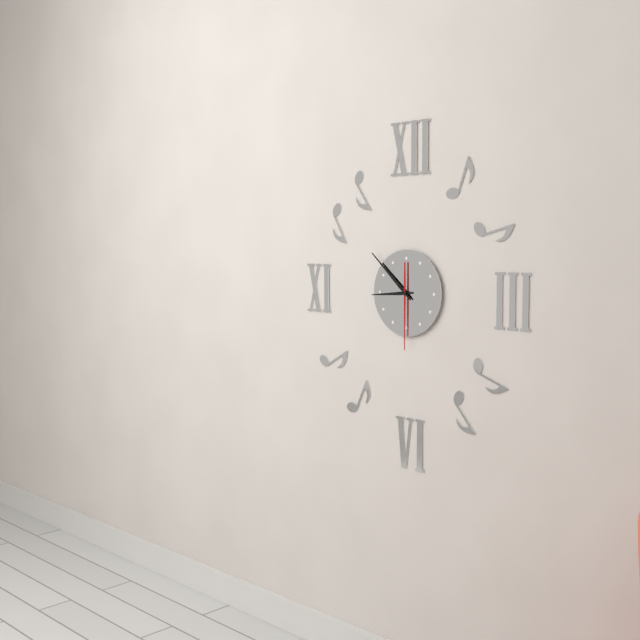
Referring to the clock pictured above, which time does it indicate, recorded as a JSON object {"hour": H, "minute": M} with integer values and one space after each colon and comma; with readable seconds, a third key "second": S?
{"hour": 8, "minute": 52, "second": 30}
